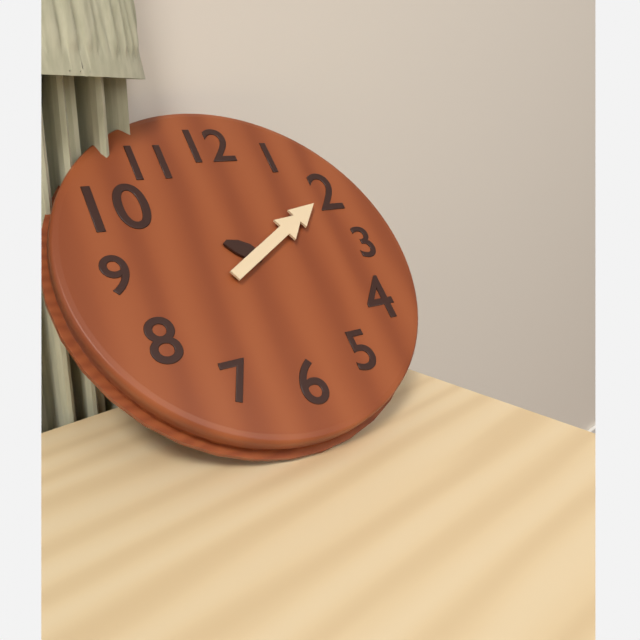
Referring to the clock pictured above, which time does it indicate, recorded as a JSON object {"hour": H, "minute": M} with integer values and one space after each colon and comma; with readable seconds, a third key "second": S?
{"hour": 10, "minute": 10}
